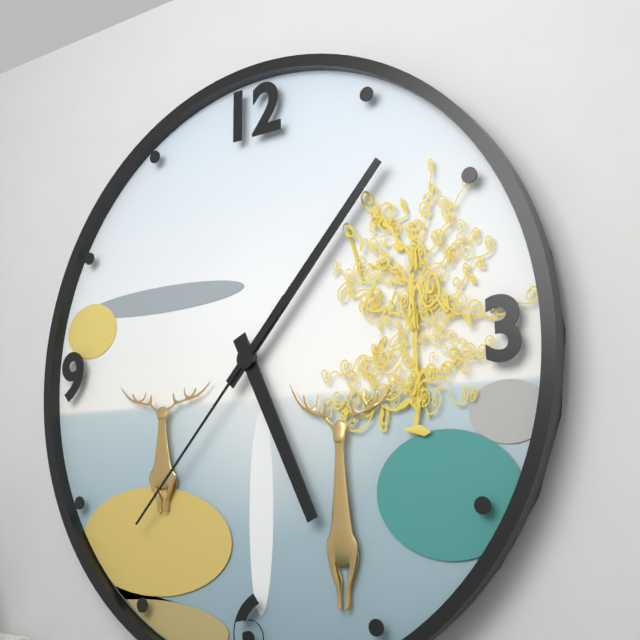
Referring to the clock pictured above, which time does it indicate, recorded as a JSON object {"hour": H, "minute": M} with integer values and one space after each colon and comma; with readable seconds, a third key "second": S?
{"hour": 5, "minute": 7, "second": 37}
